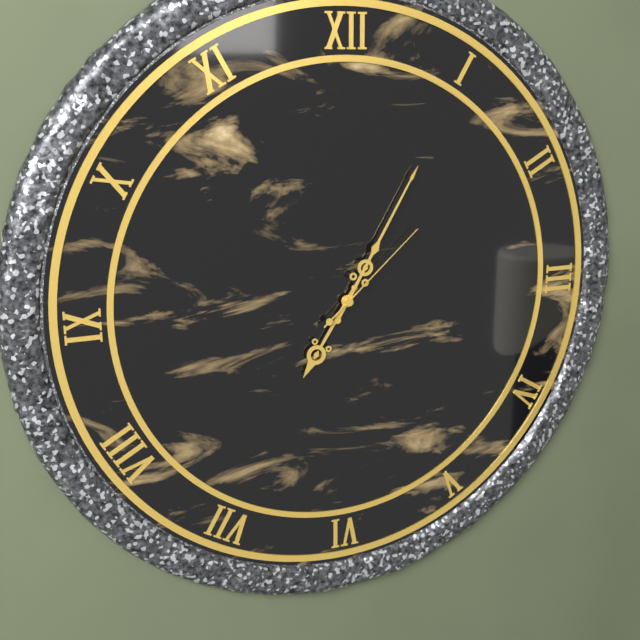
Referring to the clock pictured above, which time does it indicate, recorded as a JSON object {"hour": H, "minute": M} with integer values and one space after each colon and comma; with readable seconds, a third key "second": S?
{"hour": 7, "minute": 5, "second": 8}
